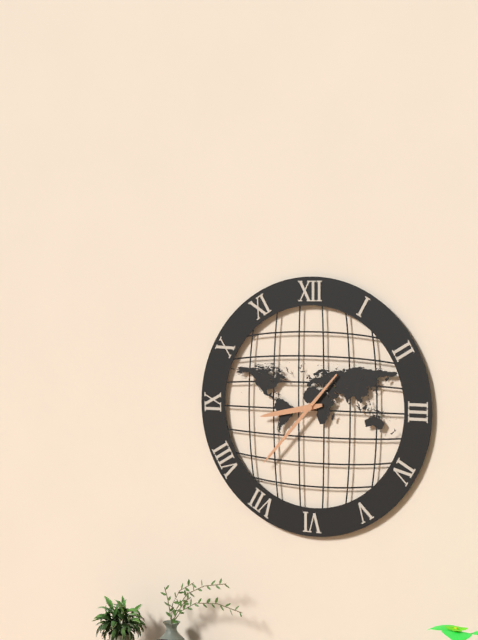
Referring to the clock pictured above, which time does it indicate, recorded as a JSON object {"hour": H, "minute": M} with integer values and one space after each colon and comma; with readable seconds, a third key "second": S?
{"hour": 8, "minute": 37}
